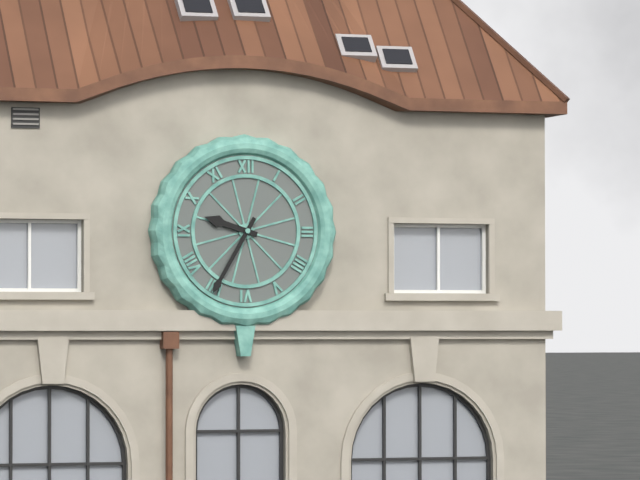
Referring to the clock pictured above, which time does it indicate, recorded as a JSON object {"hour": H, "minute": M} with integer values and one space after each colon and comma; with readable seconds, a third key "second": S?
{"hour": 9, "minute": 35}
